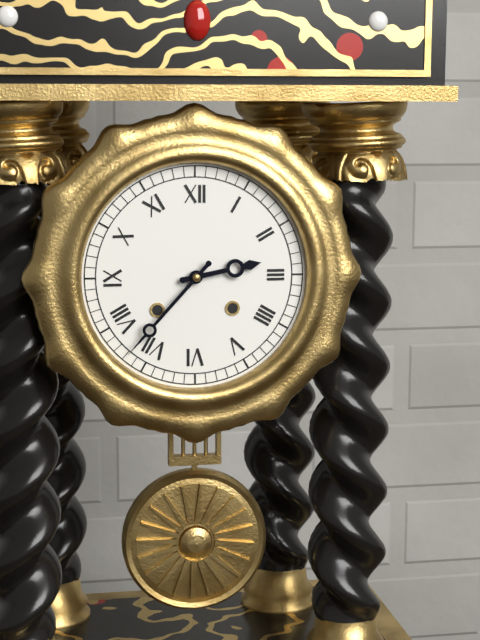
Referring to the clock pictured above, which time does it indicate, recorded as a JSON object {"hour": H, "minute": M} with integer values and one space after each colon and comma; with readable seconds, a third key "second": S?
{"hour": 2, "minute": 37}
